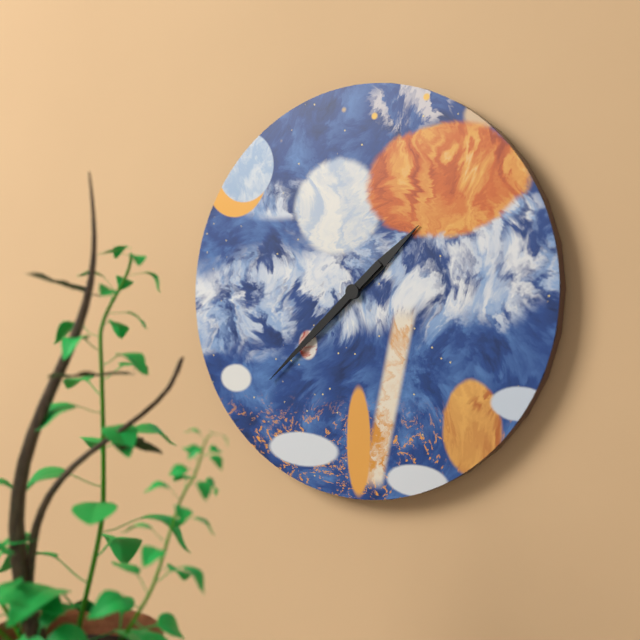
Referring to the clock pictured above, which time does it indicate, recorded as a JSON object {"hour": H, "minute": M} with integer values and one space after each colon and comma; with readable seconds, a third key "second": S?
{"hour": 1, "minute": 38}
